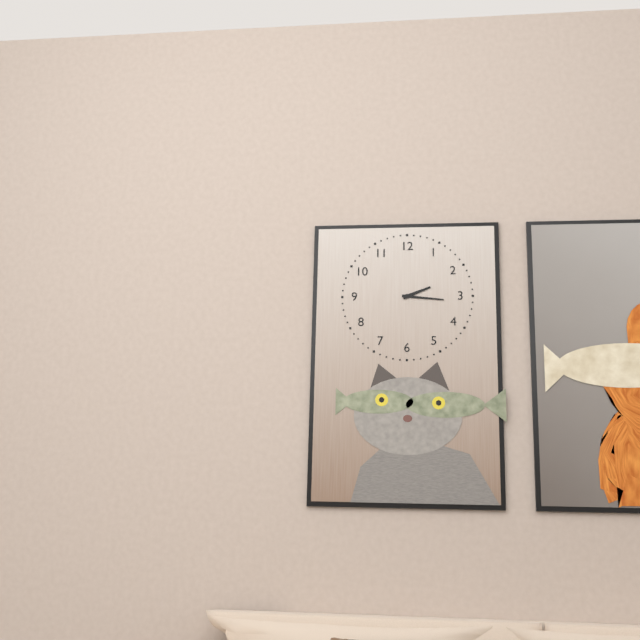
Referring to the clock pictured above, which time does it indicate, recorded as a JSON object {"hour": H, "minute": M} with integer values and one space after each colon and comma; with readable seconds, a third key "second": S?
{"hour": 2, "minute": 16}
